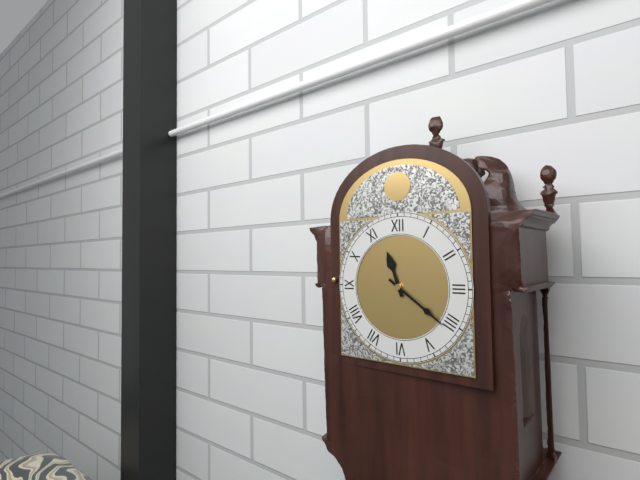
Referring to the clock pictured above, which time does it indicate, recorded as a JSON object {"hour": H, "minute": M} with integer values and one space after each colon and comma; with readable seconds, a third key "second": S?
{"hour": 11, "minute": 21}
